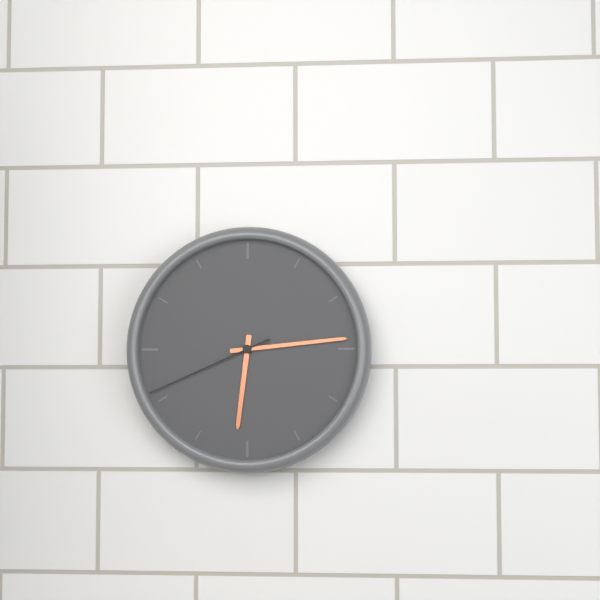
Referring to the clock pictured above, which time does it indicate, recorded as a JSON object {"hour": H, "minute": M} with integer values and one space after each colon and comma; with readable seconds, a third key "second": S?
{"hour": 6, "minute": 14, "second": 41}
